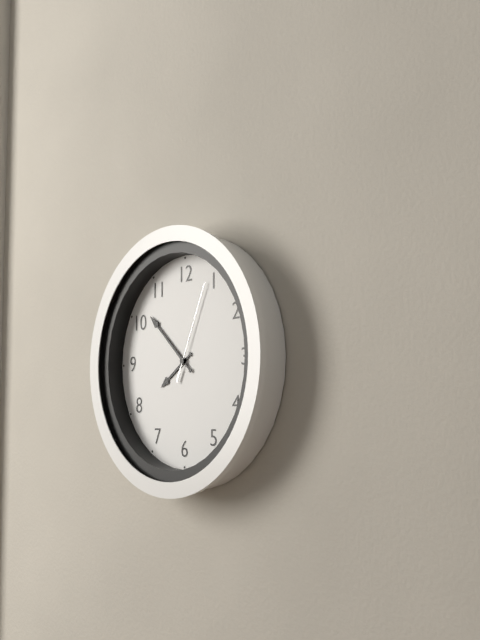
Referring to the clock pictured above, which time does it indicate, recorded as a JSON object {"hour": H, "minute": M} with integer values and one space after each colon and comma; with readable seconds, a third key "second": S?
{"hour": 7, "minute": 52, "second": 4}
